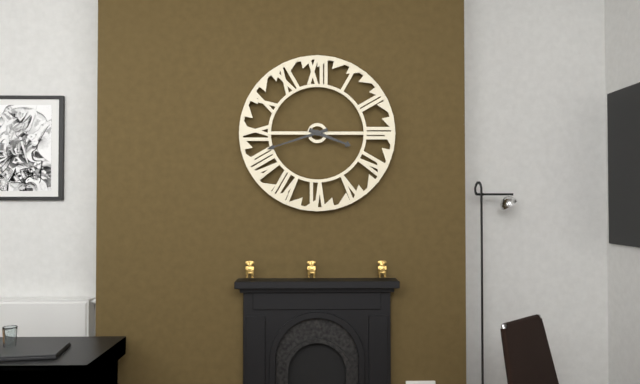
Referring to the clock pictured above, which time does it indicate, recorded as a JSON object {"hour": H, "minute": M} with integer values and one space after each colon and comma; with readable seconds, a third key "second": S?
{"hour": 3, "minute": 42}
